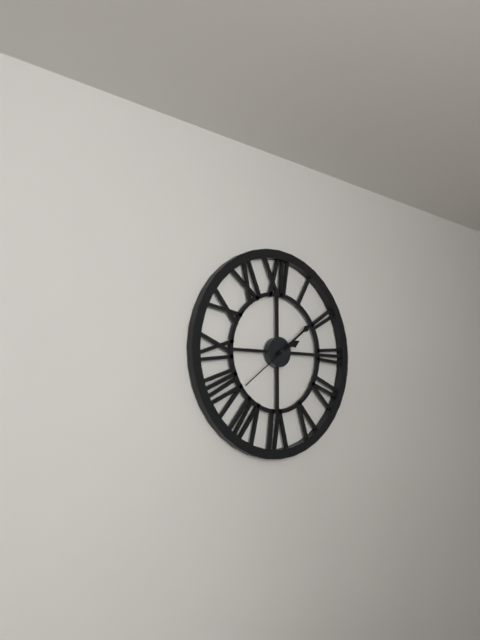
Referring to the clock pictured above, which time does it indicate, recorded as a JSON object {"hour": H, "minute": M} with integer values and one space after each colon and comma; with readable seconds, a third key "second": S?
{"hour": 2, "minute": 9, "second": 39}
